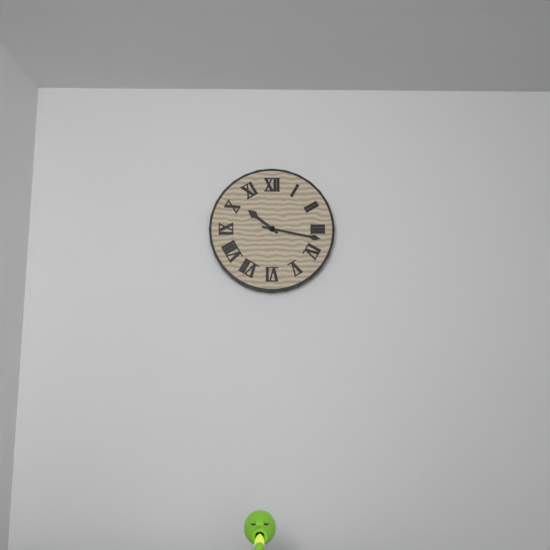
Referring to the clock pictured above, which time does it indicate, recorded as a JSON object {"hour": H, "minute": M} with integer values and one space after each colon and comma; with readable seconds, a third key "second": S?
{"hour": 10, "minute": 17}
